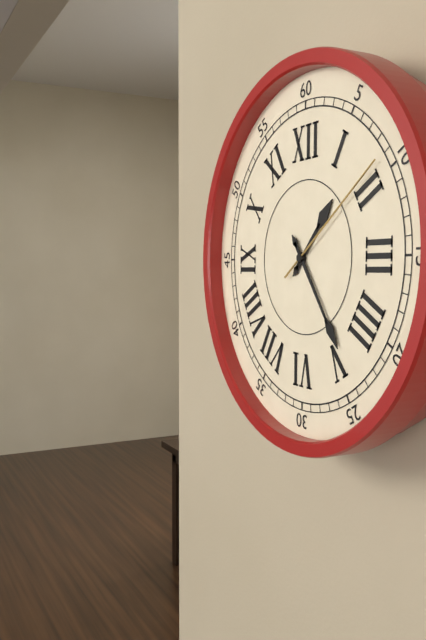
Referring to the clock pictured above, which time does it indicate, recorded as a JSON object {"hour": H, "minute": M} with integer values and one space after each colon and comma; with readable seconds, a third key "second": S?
{"hour": 1, "minute": 24, "second": 9}
